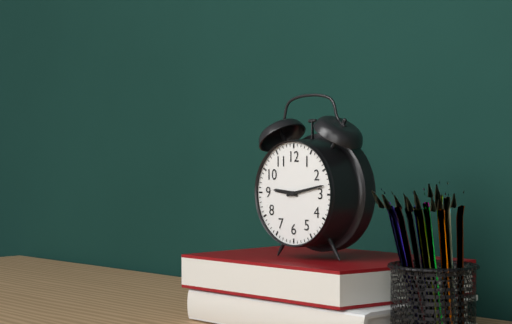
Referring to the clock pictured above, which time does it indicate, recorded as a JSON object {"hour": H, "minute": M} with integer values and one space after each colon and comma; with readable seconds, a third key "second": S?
{"hour": 9, "minute": 13}
